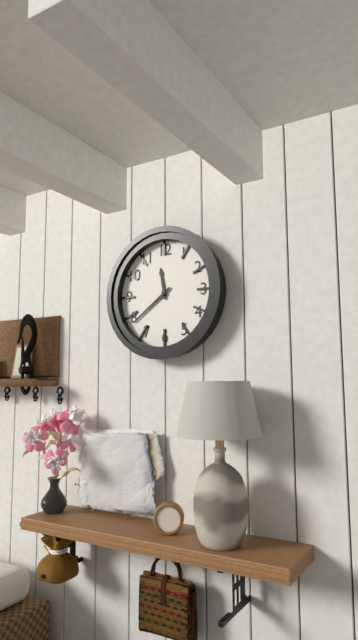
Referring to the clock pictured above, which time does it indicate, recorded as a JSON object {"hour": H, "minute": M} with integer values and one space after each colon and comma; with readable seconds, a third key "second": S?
{"hour": 11, "minute": 39}
